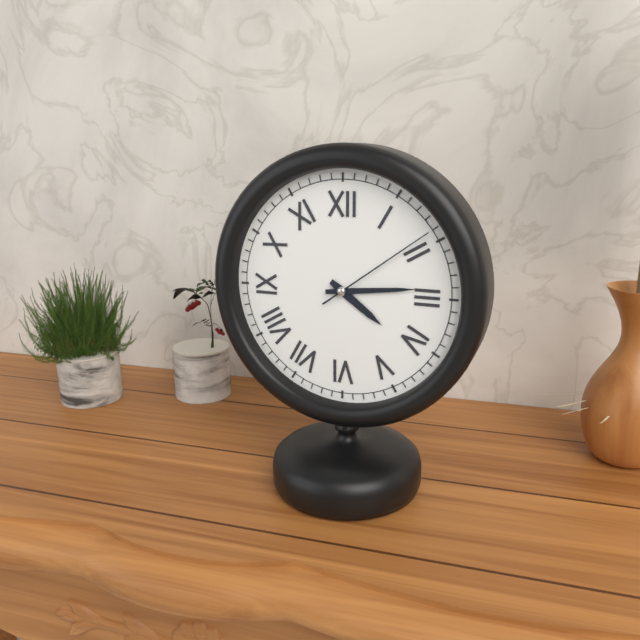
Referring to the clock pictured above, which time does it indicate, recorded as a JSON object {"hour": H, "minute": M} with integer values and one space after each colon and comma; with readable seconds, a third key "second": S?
{"hour": 4, "minute": 14, "second": 9}
